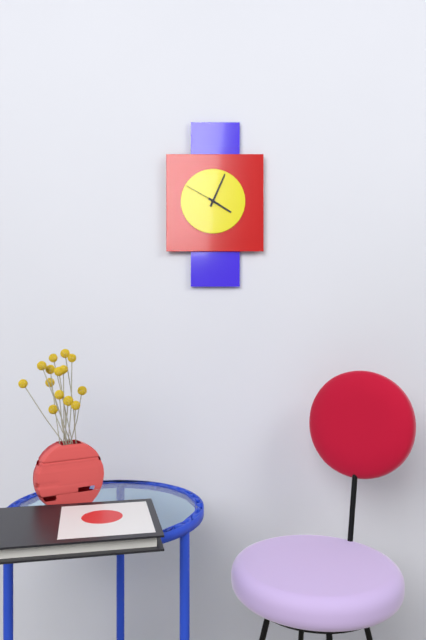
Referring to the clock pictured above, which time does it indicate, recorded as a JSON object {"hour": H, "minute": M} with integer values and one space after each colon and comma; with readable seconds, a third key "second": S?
{"hour": 4, "minute": 4}
